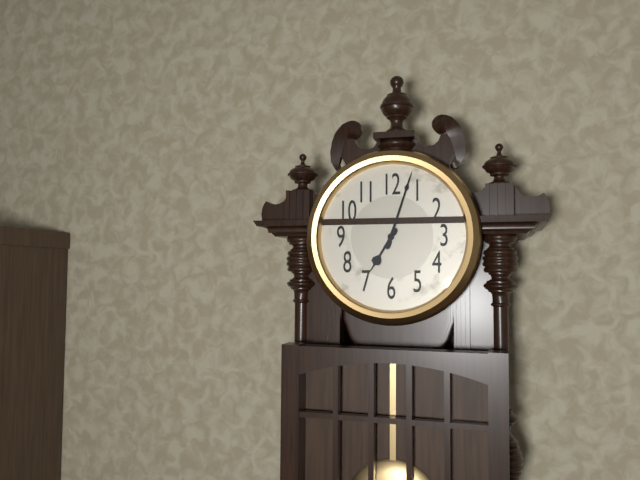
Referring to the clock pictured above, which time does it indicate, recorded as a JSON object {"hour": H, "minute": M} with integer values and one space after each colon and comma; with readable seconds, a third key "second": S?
{"hour": 7, "minute": 3}
